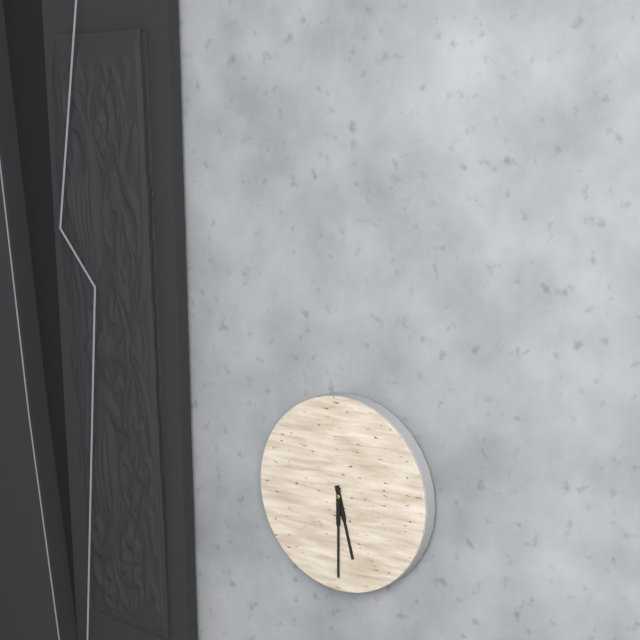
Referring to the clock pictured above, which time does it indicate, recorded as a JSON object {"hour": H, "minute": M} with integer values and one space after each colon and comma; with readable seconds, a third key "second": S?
{"hour": 5, "minute": 30}
